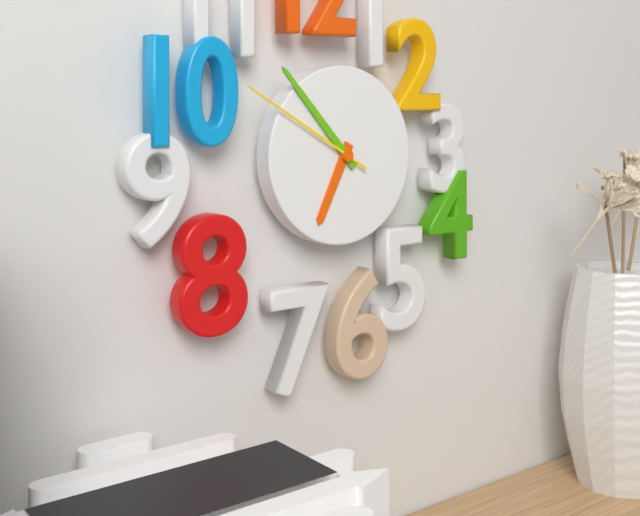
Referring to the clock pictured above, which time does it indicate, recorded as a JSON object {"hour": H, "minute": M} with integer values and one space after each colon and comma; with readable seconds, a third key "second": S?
{"hour": 6, "minute": 53, "second": 50}
